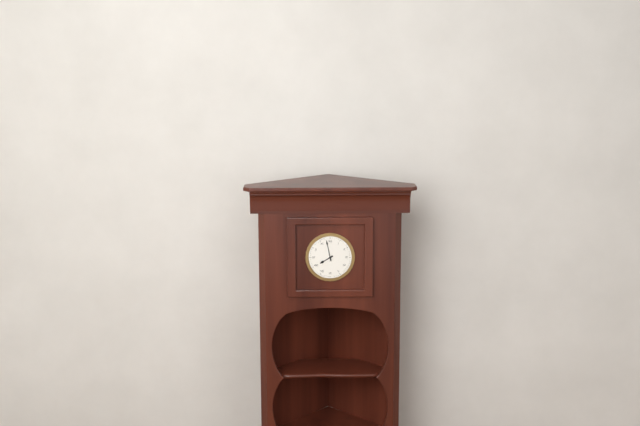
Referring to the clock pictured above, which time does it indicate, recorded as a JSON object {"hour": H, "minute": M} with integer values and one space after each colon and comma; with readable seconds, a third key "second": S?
{"hour": 7, "minute": 58}
